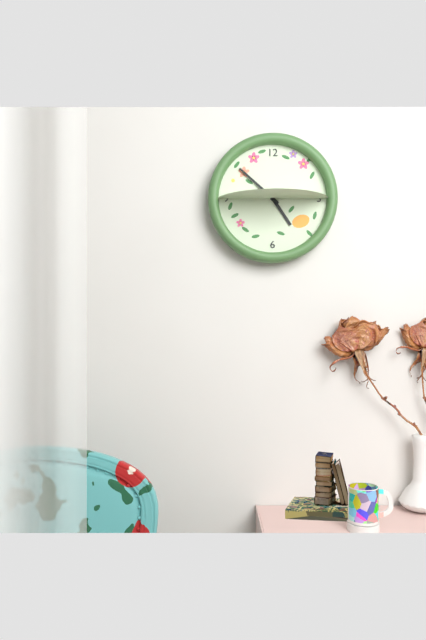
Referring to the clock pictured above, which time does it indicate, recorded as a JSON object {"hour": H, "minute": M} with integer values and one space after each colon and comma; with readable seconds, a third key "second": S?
{"hour": 4, "minute": 52}
